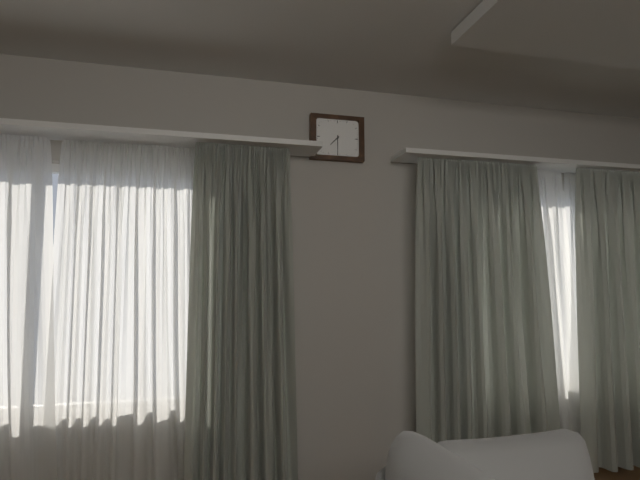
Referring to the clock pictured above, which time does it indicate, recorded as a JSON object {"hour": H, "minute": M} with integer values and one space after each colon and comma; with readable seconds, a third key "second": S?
{"hour": 7, "minute": 30}
